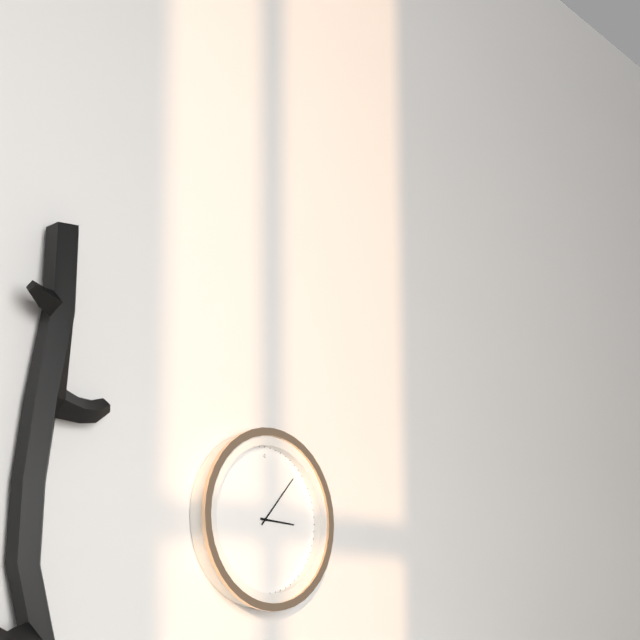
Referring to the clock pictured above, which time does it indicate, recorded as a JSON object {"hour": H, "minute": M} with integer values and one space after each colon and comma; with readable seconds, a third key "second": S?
{"hour": 3, "minute": 7}
